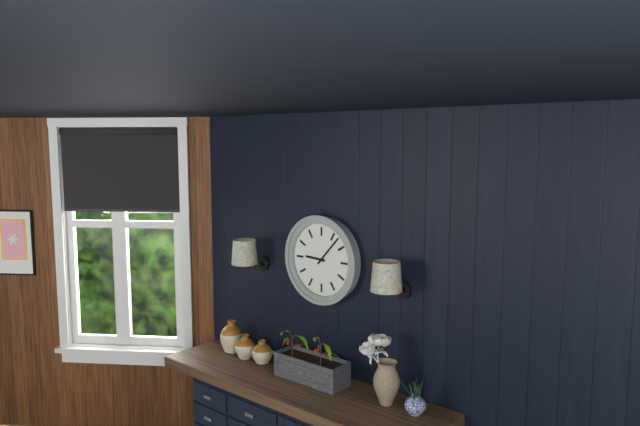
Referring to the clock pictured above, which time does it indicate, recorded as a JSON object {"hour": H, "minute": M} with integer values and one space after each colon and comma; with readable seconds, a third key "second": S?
{"hour": 9, "minute": 7}
